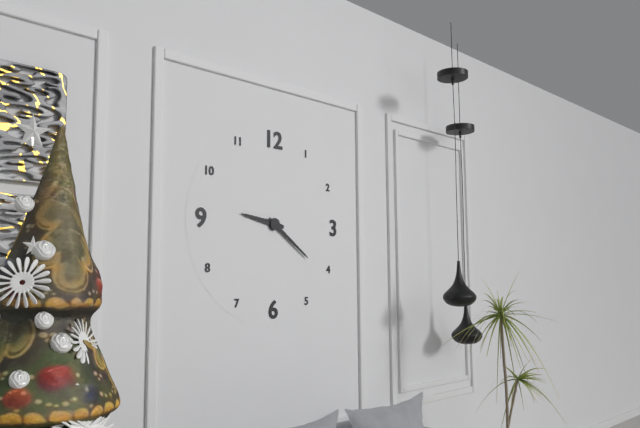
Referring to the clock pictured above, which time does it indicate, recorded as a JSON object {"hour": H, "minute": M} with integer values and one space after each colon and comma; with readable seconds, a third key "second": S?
{"hour": 9, "minute": 21}
